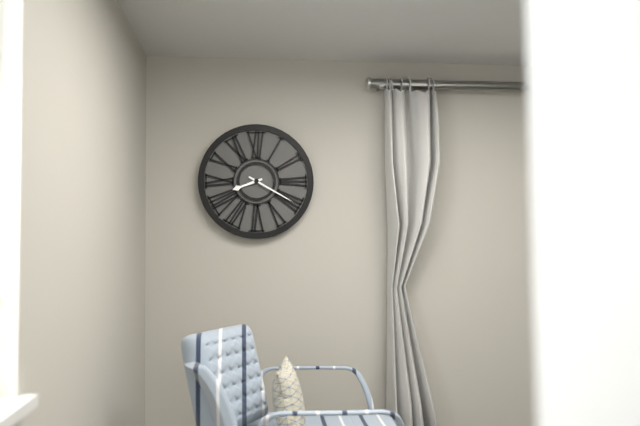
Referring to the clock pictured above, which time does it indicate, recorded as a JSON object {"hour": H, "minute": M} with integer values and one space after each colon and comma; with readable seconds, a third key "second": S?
{"hour": 8, "minute": 20}
